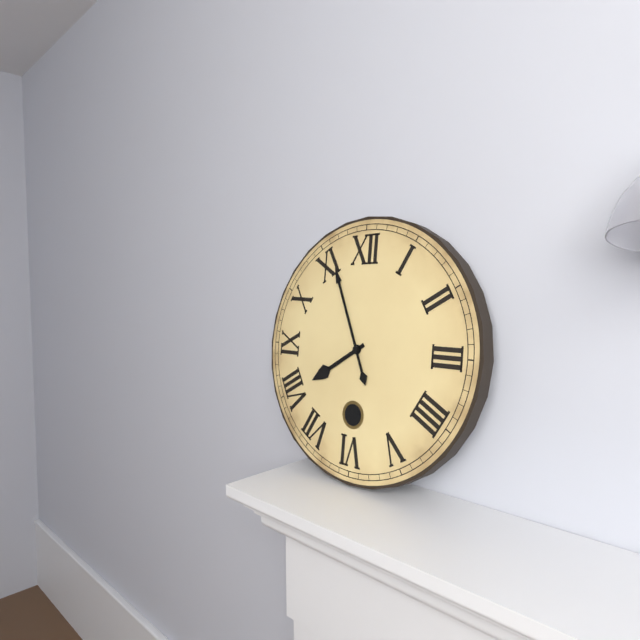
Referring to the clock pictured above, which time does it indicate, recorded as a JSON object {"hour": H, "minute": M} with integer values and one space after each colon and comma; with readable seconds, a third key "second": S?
{"hour": 7, "minute": 56}
